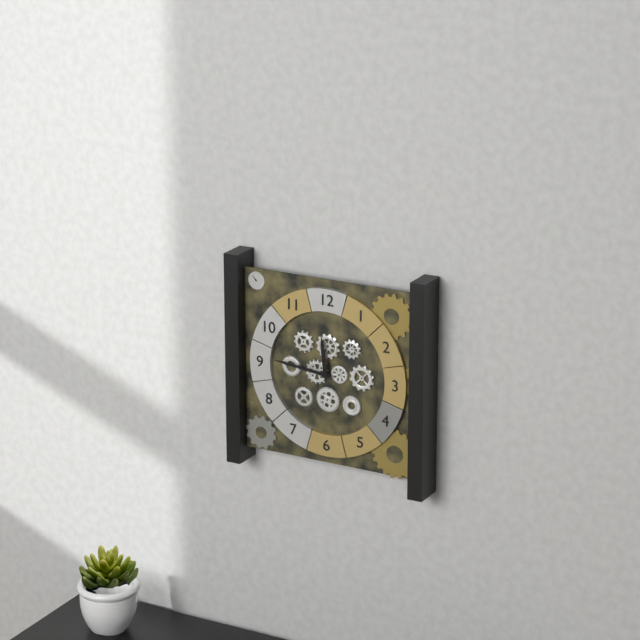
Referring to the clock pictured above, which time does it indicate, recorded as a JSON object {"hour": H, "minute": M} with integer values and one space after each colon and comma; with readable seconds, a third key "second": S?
{"hour": 11, "minute": 46}
